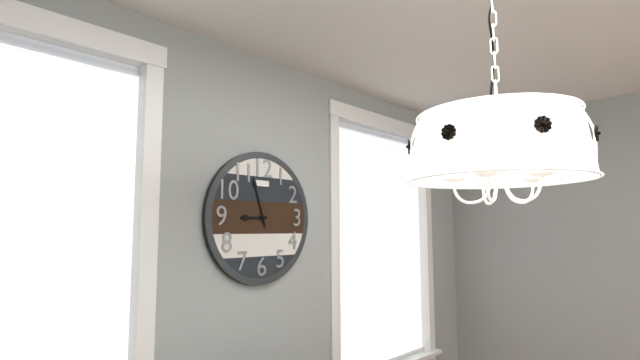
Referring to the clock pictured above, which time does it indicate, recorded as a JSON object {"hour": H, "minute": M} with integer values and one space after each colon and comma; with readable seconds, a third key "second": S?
{"hour": 8, "minute": 57}
